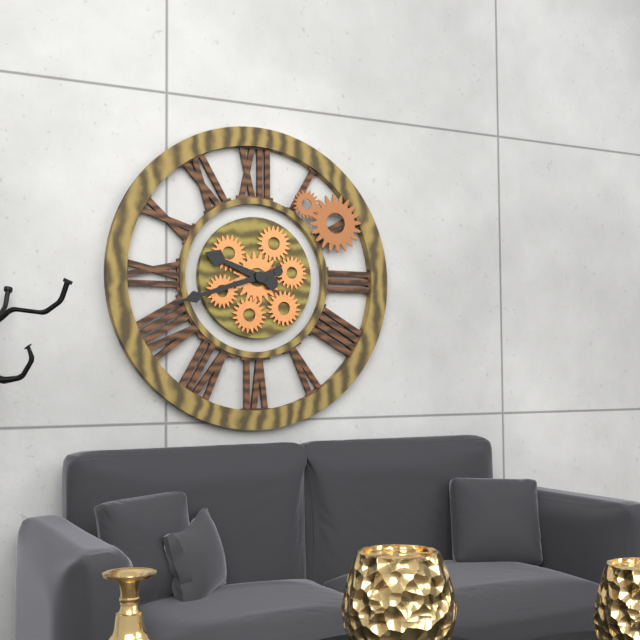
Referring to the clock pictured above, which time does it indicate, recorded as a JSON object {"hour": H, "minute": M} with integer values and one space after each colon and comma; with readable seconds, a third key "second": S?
{"hour": 9, "minute": 42}
